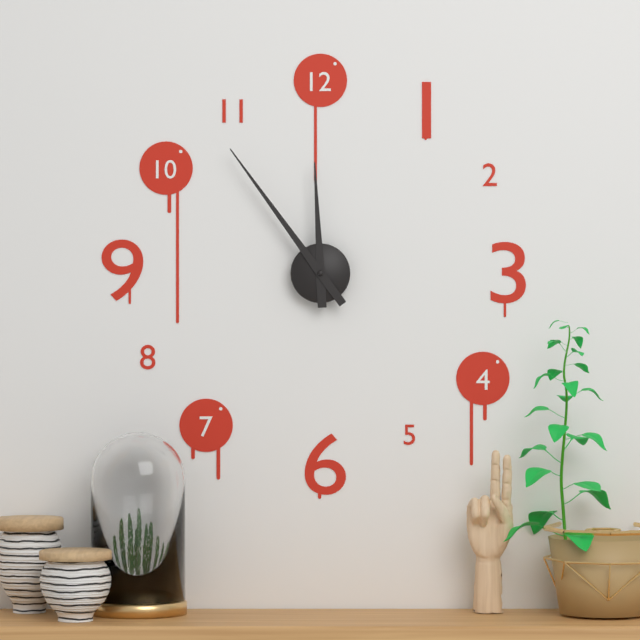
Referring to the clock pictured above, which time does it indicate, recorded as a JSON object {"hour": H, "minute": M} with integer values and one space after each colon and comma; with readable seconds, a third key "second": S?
{"hour": 11, "minute": 54}
